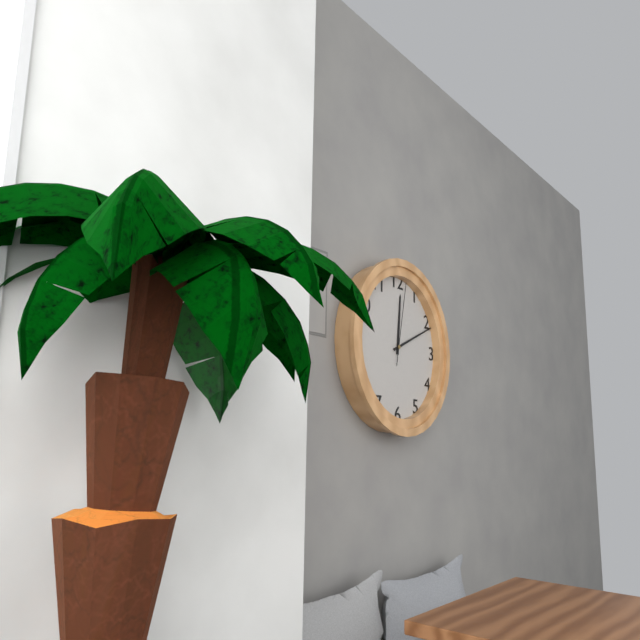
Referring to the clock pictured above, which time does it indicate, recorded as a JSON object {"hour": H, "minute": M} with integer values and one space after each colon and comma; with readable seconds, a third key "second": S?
{"hour": 12, "minute": 11, "second": 2}
